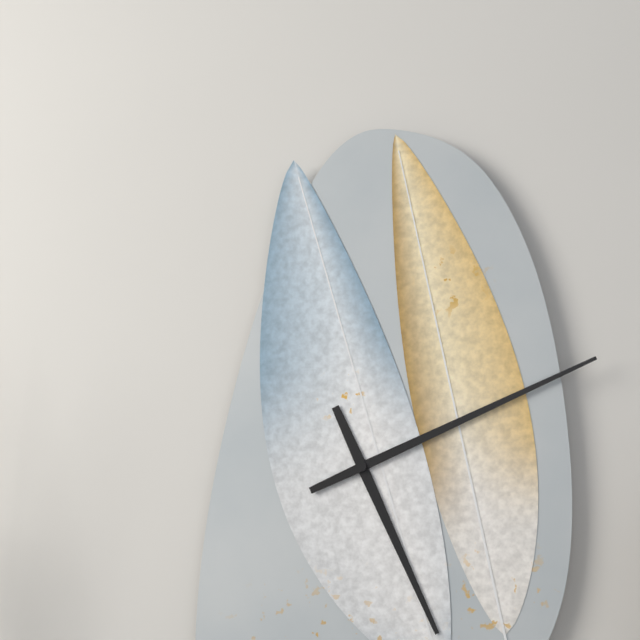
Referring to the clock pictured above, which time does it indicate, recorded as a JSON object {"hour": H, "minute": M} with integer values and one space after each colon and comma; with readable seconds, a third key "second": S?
{"hour": 5, "minute": 11}
